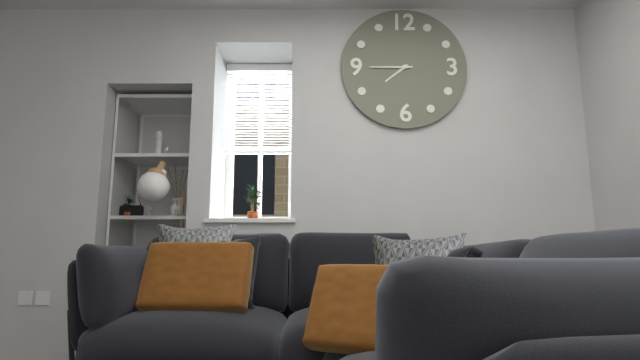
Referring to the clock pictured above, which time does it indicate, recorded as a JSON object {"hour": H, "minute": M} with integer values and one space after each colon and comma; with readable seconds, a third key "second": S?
{"hour": 7, "minute": 45}
